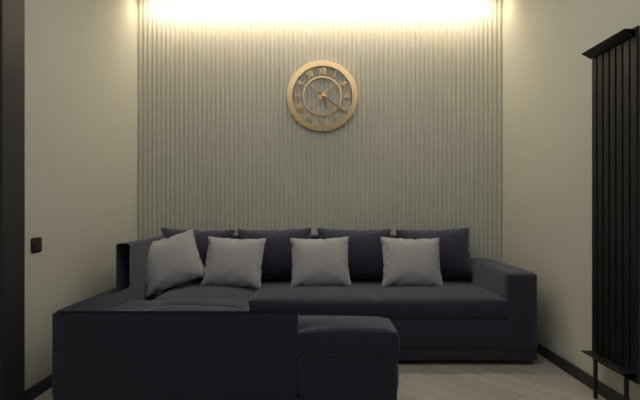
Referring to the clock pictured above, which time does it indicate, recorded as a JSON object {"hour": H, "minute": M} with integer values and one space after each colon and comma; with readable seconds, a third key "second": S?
{"hour": 5, "minute": 21}
